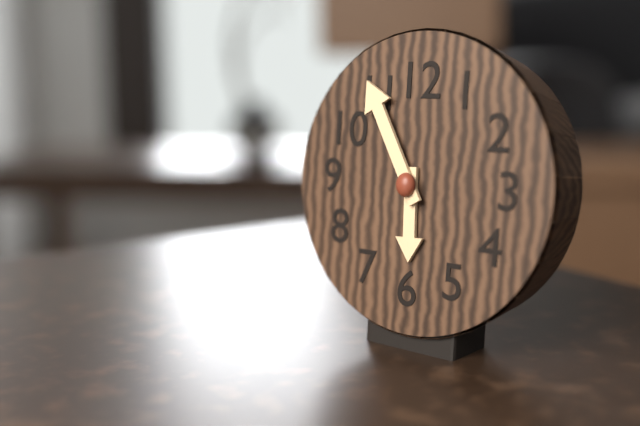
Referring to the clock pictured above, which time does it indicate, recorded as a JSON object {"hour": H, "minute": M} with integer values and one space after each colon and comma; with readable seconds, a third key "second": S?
{"hour": 5, "minute": 55}
